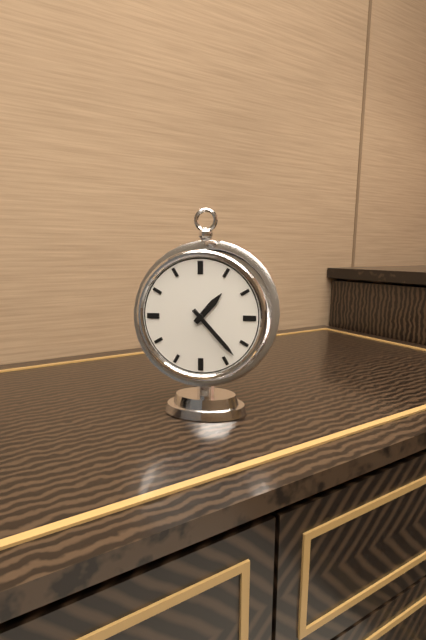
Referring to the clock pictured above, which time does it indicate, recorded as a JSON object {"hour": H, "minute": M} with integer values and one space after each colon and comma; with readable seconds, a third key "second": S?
{"hour": 1, "minute": 23}
